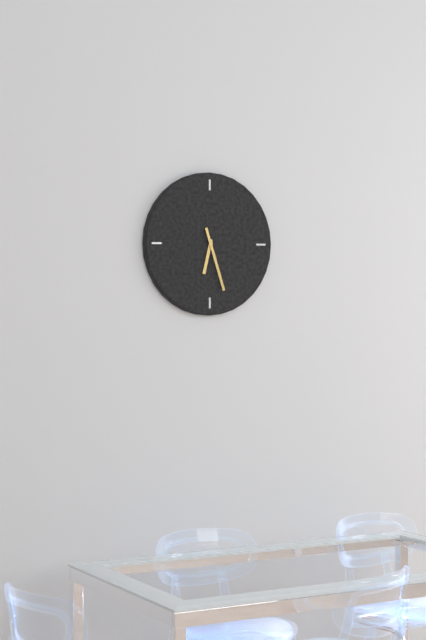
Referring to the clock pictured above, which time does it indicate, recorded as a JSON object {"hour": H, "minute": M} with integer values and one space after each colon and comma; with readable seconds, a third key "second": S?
{"hour": 6, "minute": 27}
